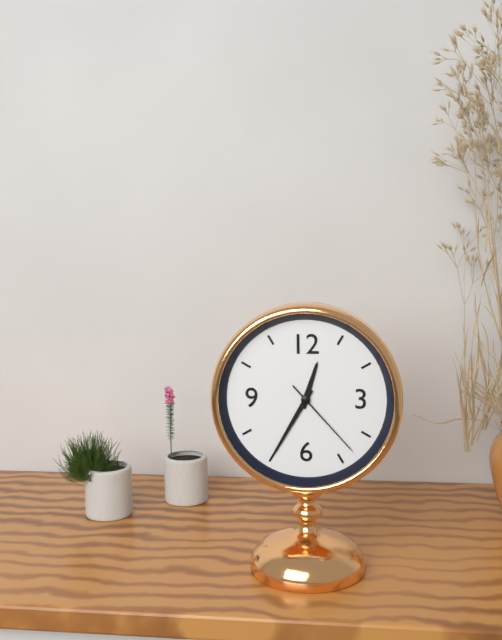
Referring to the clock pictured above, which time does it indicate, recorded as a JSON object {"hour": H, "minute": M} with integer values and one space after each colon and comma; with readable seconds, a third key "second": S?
{"hour": 12, "minute": 35, "second": 23}
